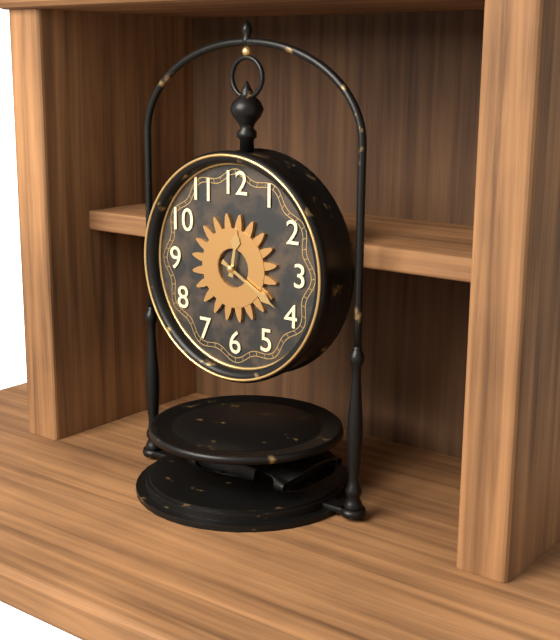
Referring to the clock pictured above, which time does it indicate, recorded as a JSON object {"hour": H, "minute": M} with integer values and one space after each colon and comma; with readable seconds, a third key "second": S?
{"hour": 12, "minute": 20}
